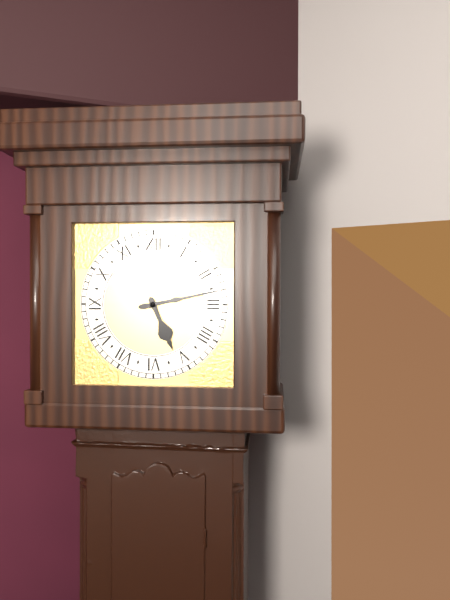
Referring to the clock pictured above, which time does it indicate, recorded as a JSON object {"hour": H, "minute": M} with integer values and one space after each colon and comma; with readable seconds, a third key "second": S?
{"hour": 5, "minute": 13}
